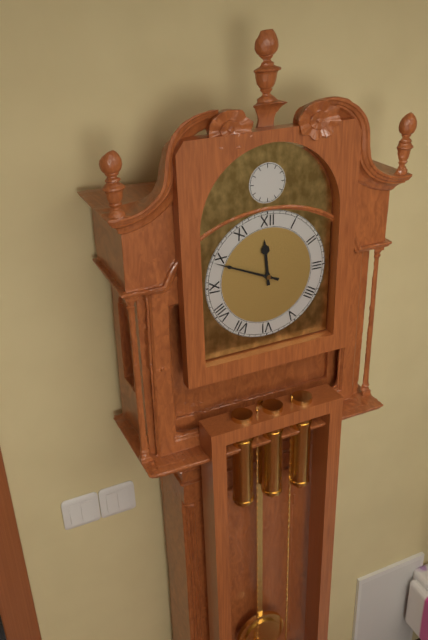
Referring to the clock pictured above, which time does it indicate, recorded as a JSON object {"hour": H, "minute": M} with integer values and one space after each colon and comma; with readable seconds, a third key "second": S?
{"hour": 11, "minute": 49}
